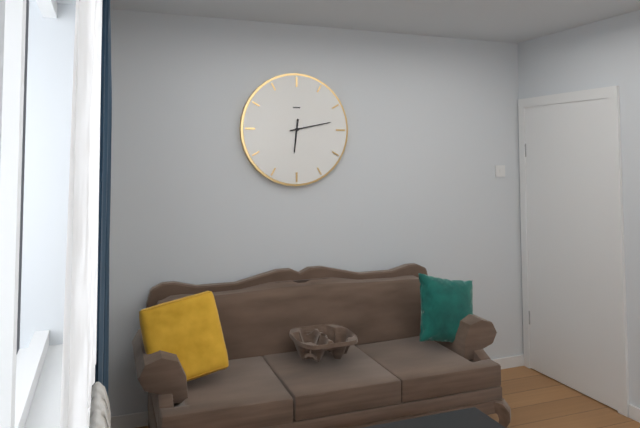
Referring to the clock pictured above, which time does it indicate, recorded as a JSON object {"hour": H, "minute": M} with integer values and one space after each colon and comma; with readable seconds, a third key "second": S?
{"hour": 6, "minute": 13}
